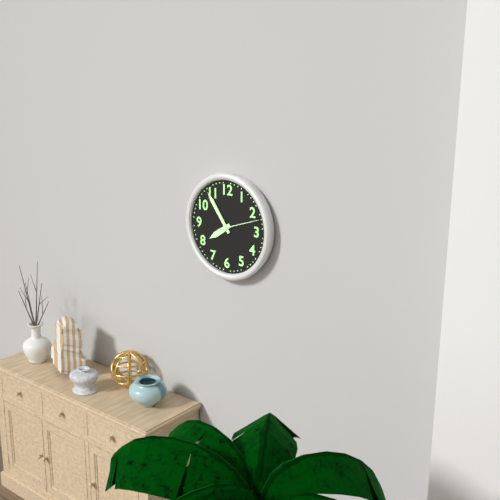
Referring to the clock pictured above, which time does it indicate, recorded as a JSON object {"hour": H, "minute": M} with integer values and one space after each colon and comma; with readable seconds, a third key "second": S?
{"hour": 7, "minute": 54}
